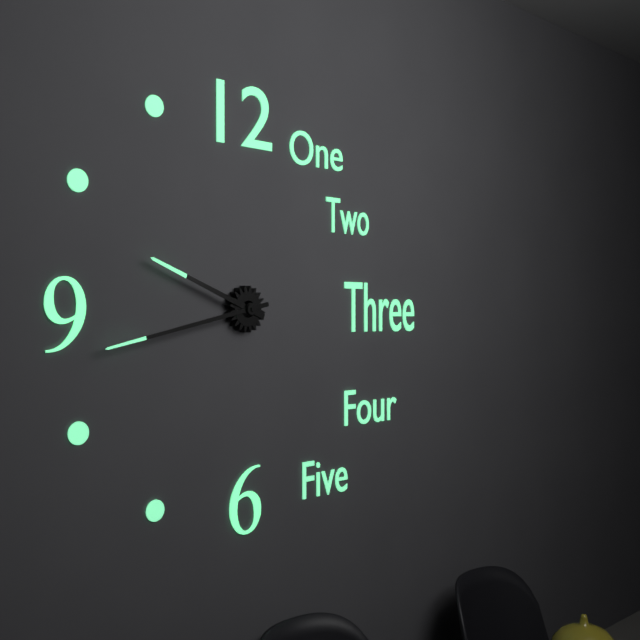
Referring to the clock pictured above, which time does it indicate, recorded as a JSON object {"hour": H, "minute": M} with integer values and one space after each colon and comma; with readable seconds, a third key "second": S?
{"hour": 9, "minute": 43}
